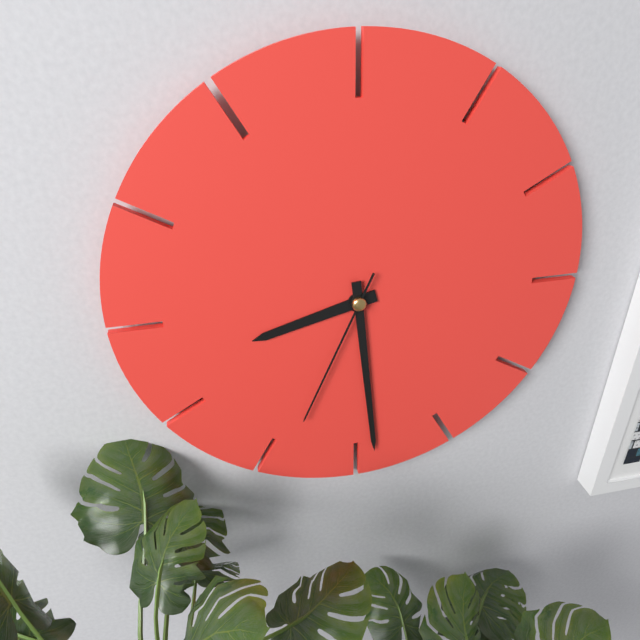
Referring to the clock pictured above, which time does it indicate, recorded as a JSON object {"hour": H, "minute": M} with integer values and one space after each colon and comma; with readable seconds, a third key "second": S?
{"hour": 8, "minute": 29, "second": 34}
